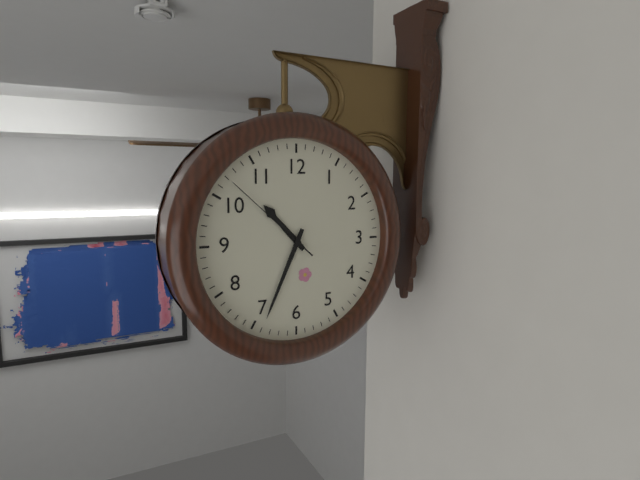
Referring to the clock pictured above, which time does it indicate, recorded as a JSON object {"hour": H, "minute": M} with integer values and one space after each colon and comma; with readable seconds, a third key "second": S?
{"hour": 10, "minute": 34, "second": 52}
